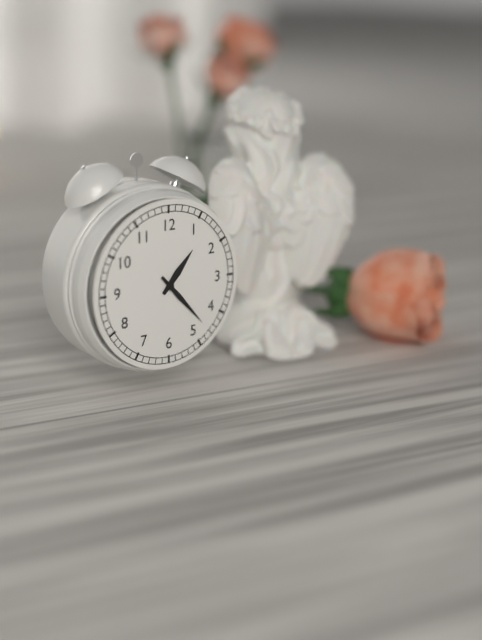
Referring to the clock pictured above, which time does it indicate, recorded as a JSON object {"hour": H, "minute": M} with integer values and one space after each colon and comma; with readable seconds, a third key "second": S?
{"hour": 1, "minute": 23}
